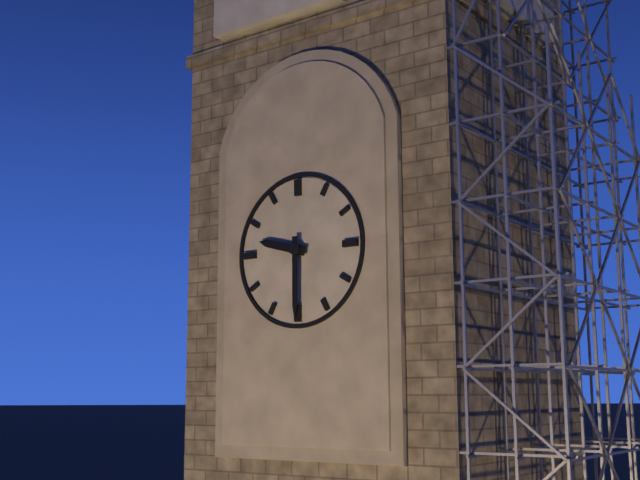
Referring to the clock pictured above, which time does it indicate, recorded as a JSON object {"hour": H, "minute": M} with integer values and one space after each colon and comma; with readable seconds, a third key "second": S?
{"hour": 9, "minute": 30}
